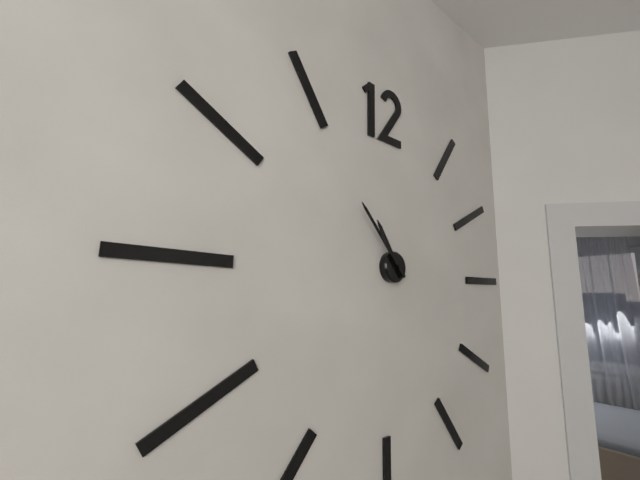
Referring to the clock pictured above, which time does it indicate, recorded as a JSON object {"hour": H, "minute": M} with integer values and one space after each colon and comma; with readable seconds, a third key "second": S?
{"hour": 10, "minute": 53}
